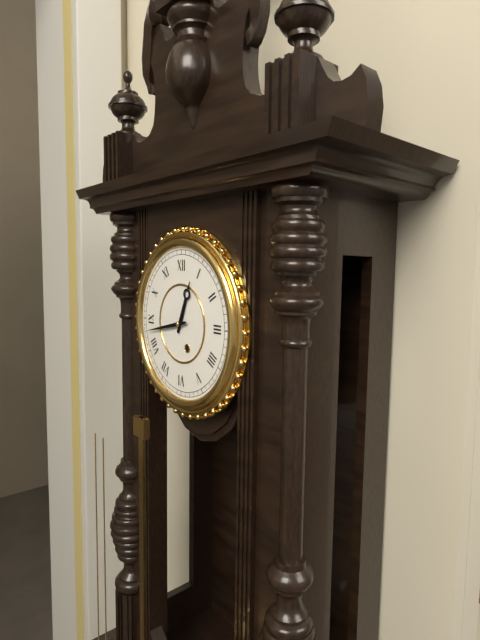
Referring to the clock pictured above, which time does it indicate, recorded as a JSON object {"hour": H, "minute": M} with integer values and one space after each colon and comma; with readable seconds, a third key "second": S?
{"hour": 12, "minute": 43}
